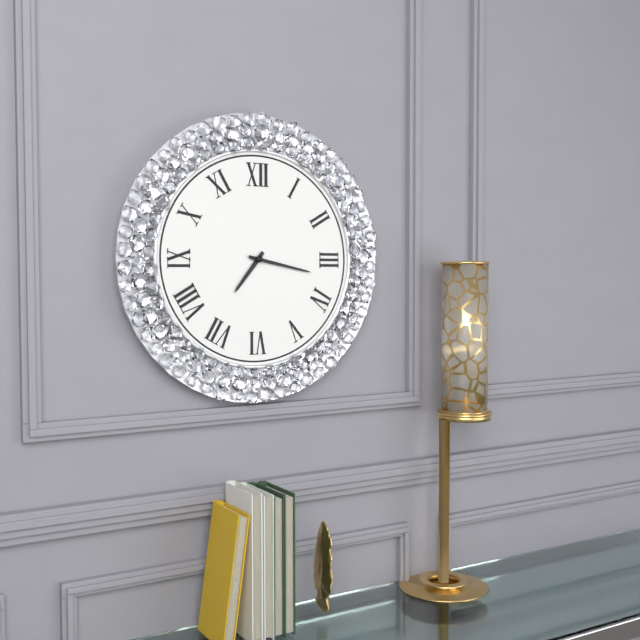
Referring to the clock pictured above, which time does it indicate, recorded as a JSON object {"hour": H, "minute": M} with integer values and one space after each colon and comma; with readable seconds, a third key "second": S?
{"hour": 7, "minute": 17}
